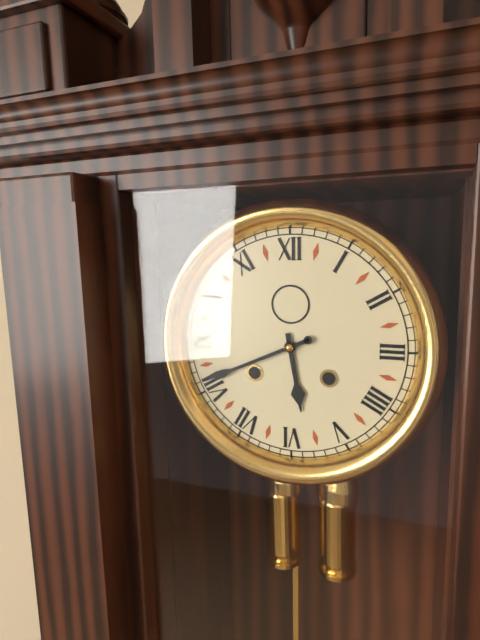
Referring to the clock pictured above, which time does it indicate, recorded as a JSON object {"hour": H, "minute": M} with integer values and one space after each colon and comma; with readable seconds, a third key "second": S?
{"hour": 5, "minute": 41}
